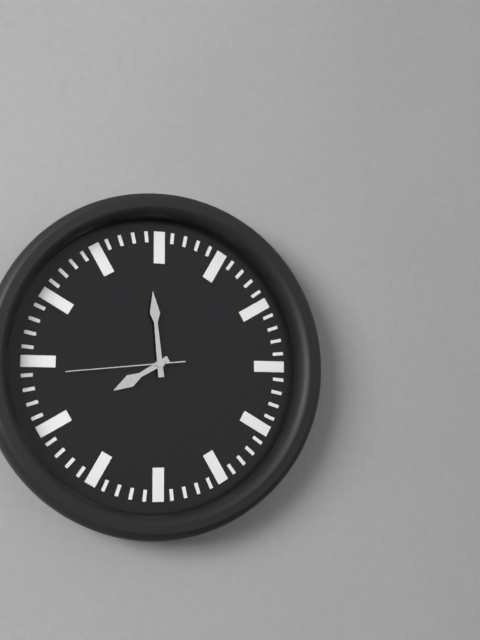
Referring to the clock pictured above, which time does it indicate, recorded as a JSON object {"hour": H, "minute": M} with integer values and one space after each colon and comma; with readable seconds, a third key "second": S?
{"hour": 7, "minute": 59, "second": 44}
